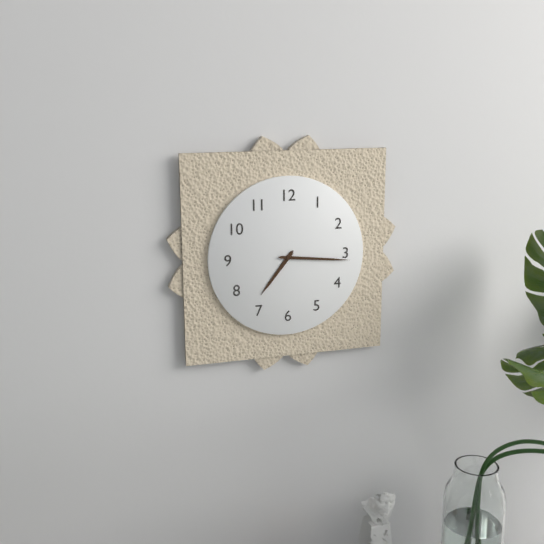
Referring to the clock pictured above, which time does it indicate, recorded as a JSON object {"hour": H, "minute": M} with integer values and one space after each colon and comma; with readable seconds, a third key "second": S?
{"hour": 7, "minute": 16}
